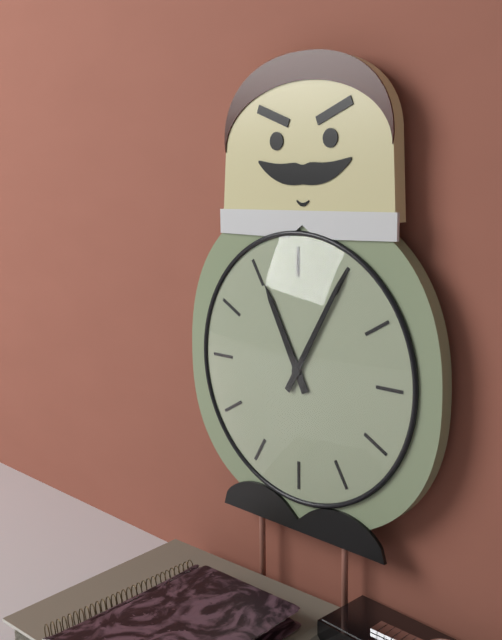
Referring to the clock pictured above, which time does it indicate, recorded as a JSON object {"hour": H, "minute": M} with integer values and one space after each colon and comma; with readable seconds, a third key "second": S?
{"hour": 11, "minute": 5}
